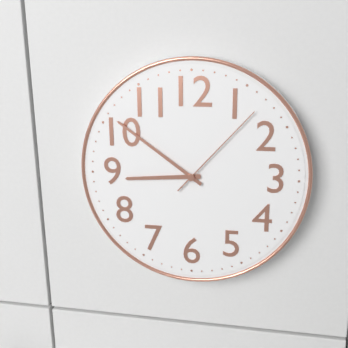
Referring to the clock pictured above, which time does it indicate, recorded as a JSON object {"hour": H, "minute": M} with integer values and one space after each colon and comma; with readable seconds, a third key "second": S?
{"hour": 8, "minute": 51, "second": 7}
